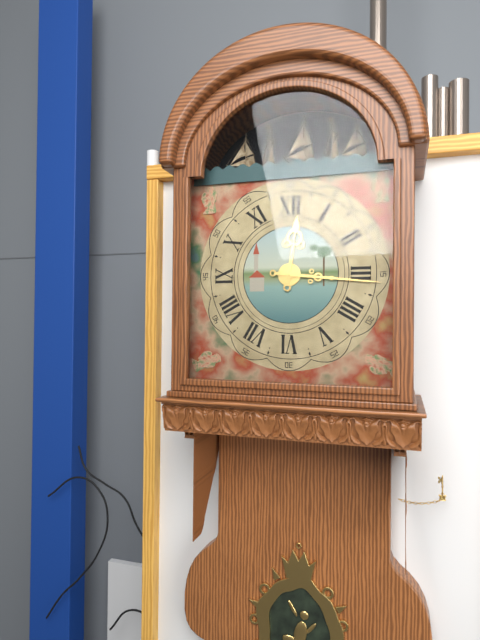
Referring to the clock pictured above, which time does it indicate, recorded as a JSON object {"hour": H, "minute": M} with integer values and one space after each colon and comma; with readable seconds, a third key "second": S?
{"hour": 12, "minute": 16}
